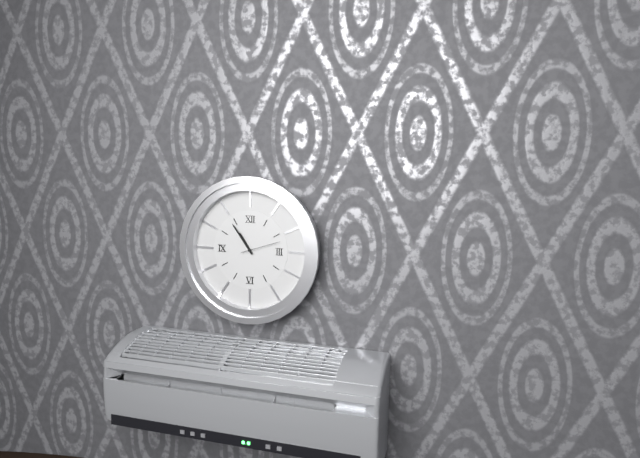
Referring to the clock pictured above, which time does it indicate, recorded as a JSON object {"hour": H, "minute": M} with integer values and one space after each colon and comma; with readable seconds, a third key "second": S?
{"hour": 10, "minute": 54}
